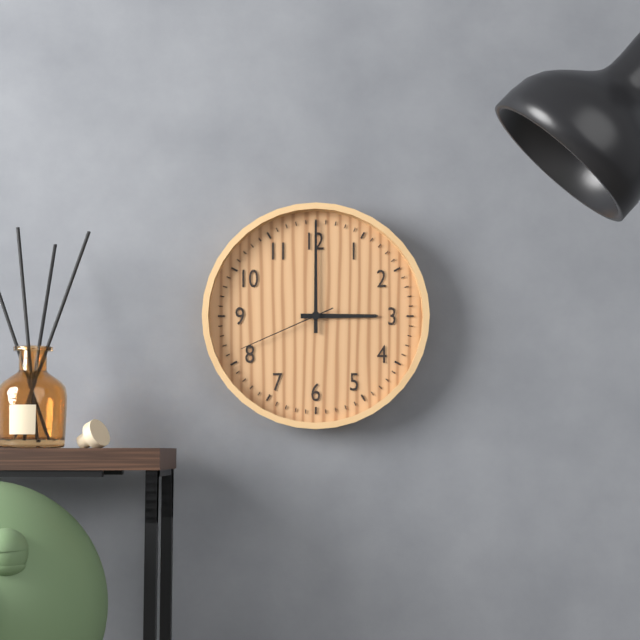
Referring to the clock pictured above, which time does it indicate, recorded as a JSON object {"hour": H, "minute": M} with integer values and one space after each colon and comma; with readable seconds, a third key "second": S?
{"hour": 3, "minute": 0, "second": 41}
